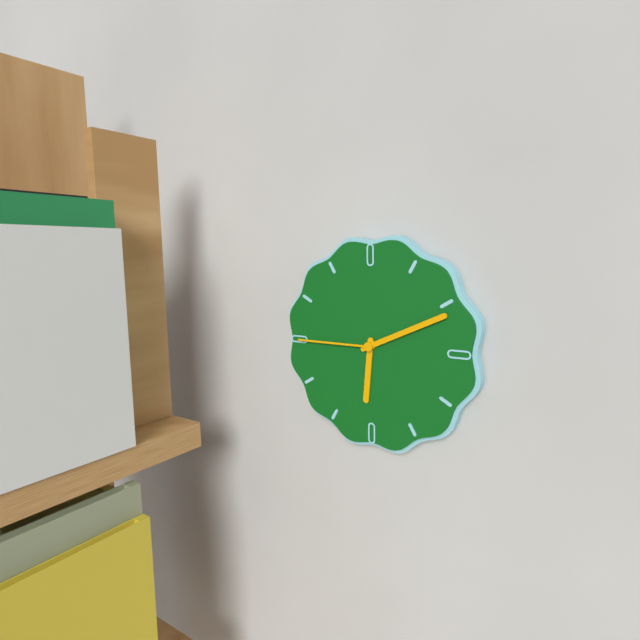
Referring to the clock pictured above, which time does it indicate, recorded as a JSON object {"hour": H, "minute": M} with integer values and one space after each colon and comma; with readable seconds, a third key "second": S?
{"hour": 6, "minute": 11, "second": 45}
